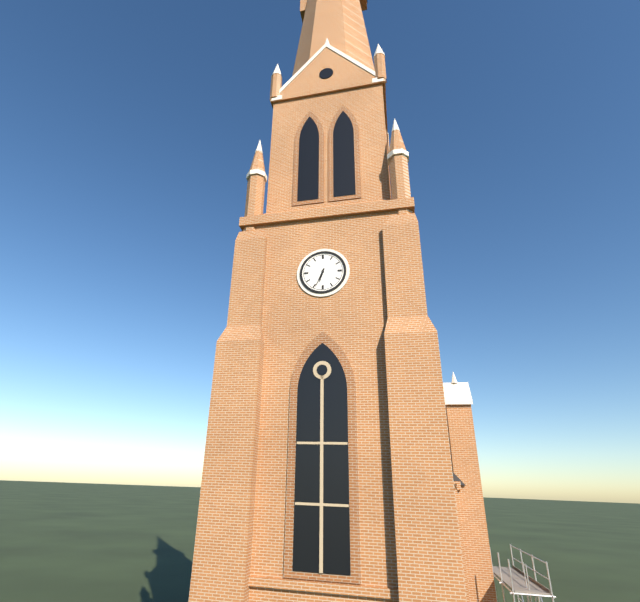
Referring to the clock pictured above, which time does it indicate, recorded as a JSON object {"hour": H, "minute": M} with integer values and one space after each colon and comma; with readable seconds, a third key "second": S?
{"hour": 6, "minute": 34}
